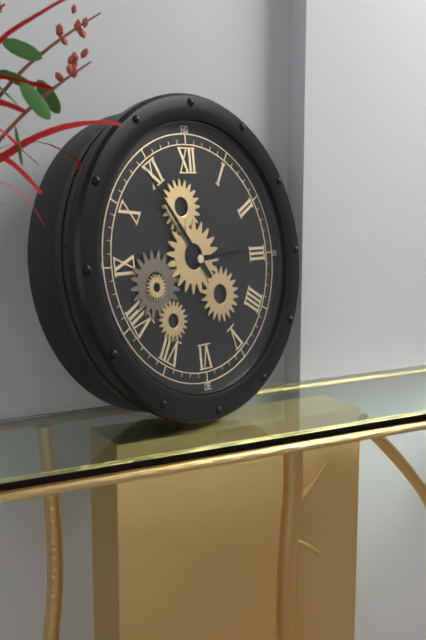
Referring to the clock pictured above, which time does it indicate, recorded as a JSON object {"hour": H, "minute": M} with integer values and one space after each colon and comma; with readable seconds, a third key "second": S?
{"hour": 2, "minute": 54}
